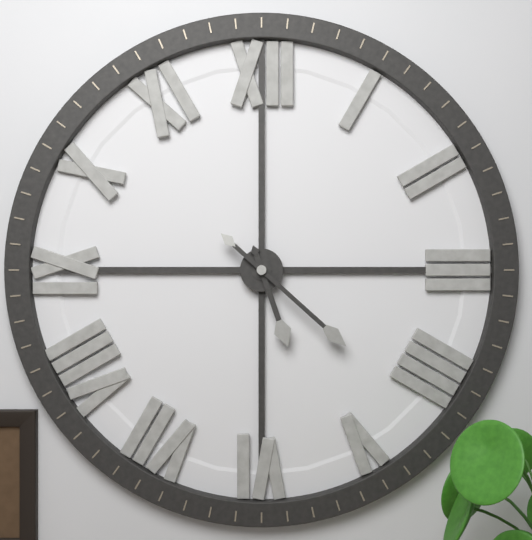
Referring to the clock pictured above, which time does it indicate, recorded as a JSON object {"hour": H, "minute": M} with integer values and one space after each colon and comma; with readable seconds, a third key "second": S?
{"hour": 5, "minute": 22}
